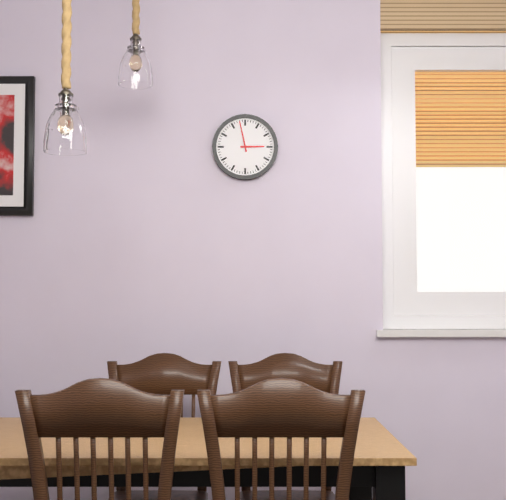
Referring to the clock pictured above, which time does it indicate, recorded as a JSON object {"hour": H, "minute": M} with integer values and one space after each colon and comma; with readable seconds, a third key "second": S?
{"hour": 2, "minute": 58}
